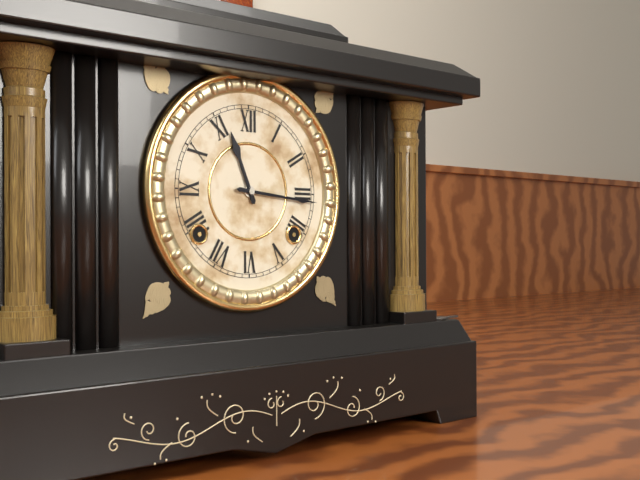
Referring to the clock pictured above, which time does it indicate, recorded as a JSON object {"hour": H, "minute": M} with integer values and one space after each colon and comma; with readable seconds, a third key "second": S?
{"hour": 11, "minute": 16}
